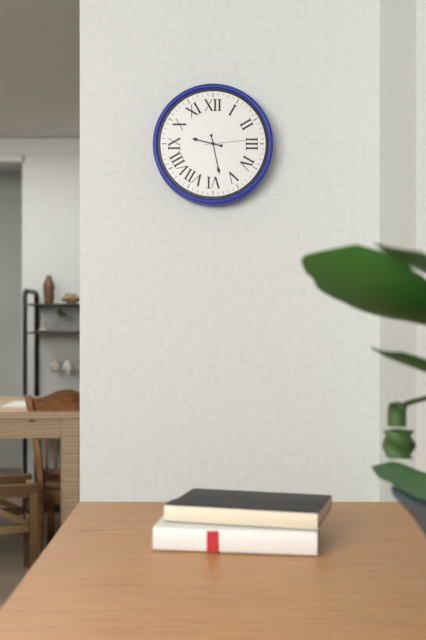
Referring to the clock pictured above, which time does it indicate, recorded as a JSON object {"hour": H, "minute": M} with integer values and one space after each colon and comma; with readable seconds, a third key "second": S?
{"hour": 9, "minute": 28}
